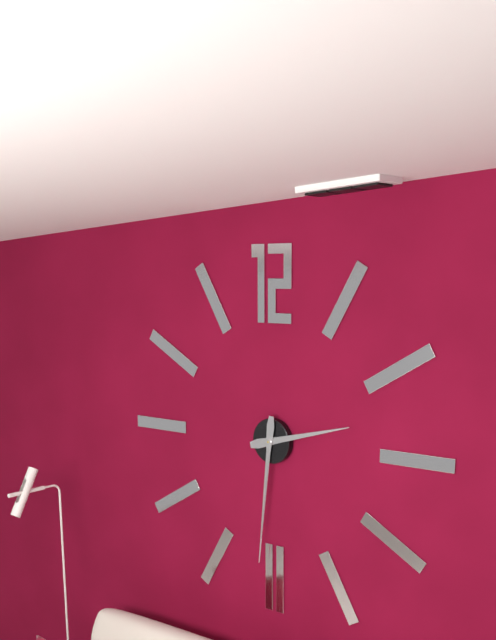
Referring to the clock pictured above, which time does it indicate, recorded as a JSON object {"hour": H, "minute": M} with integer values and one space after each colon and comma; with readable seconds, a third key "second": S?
{"hour": 2, "minute": 31}
